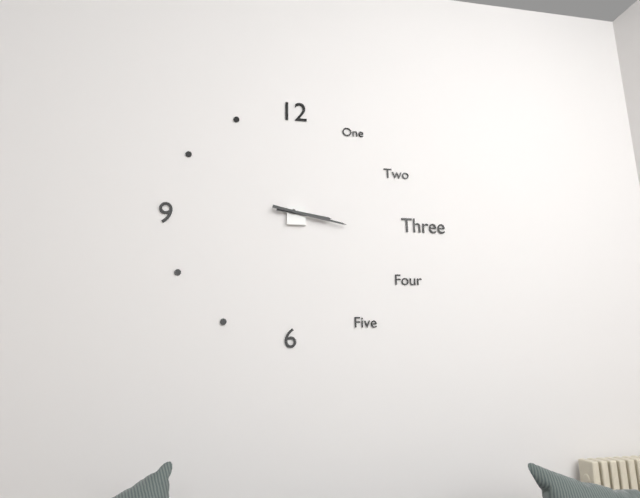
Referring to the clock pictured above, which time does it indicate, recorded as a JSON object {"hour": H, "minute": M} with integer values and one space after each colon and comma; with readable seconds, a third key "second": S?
{"hour": 3, "minute": 17}
